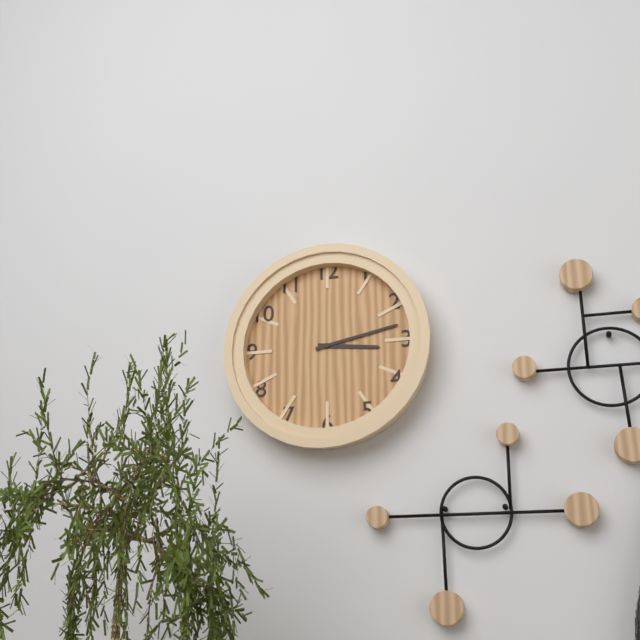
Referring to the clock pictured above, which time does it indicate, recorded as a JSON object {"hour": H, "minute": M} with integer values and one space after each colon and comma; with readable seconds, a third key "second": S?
{"hour": 3, "minute": 13}
